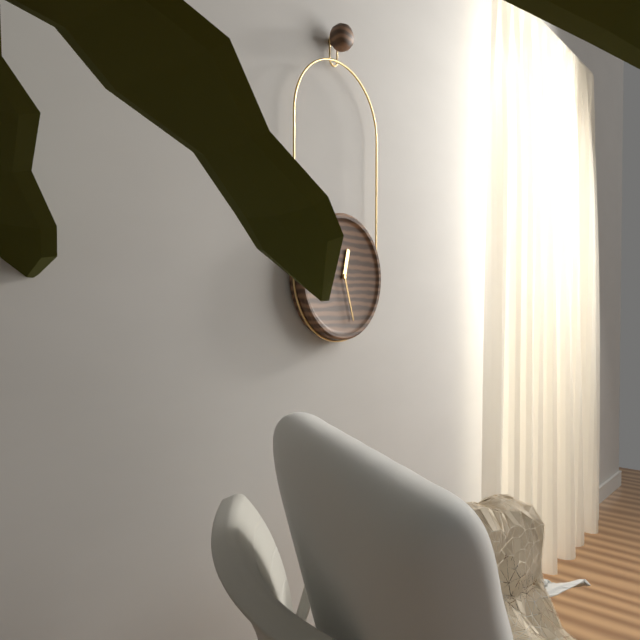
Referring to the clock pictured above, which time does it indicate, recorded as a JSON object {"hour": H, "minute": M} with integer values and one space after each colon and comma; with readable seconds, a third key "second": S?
{"hour": 12, "minute": 27}
